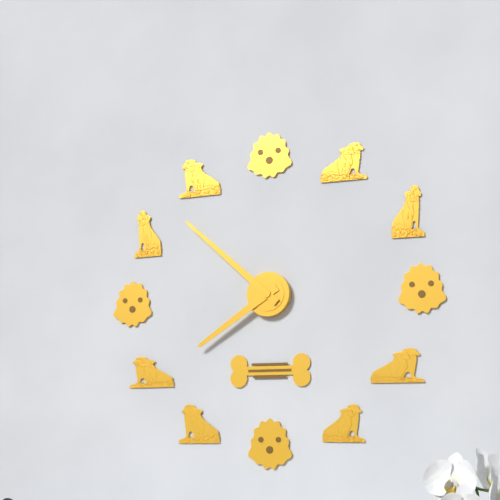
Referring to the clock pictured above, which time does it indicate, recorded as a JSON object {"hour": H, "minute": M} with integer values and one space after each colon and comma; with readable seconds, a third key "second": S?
{"hour": 7, "minute": 52}
